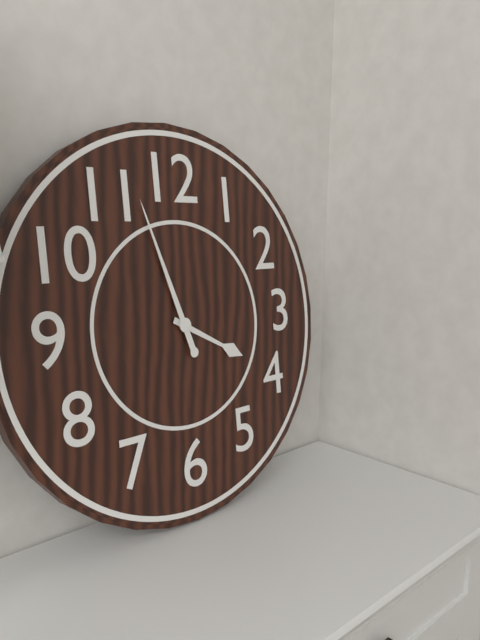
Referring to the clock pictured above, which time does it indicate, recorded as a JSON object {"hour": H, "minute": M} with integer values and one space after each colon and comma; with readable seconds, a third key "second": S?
{"hour": 3, "minute": 57}
